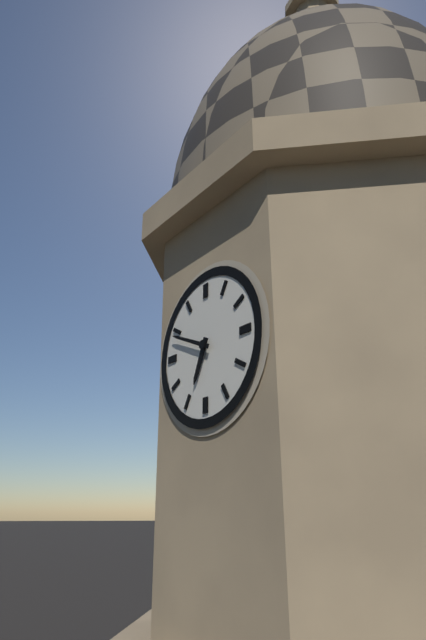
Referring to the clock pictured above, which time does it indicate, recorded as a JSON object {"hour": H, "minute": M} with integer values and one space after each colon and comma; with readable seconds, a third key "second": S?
{"hour": 6, "minute": 49}
